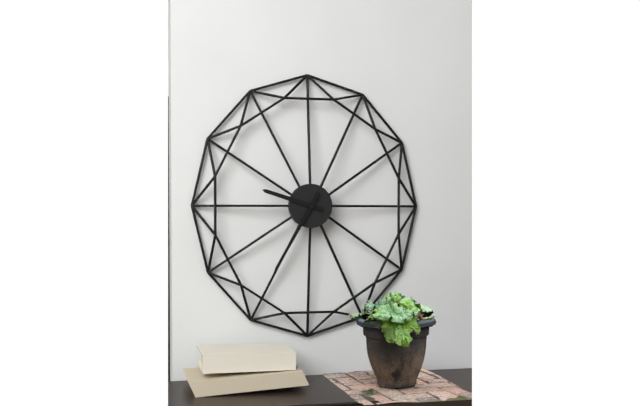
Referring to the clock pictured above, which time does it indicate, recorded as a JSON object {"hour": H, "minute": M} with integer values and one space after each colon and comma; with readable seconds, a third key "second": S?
{"hour": 9, "minute": 35}
